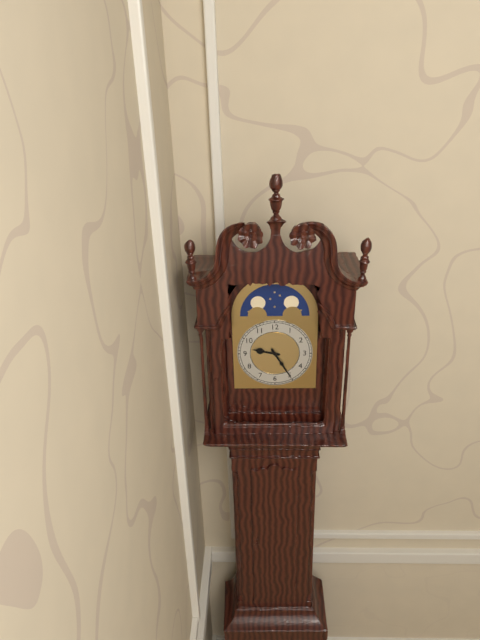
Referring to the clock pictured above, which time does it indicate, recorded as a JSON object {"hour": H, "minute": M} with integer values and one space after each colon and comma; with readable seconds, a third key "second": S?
{"hour": 9, "minute": 25}
